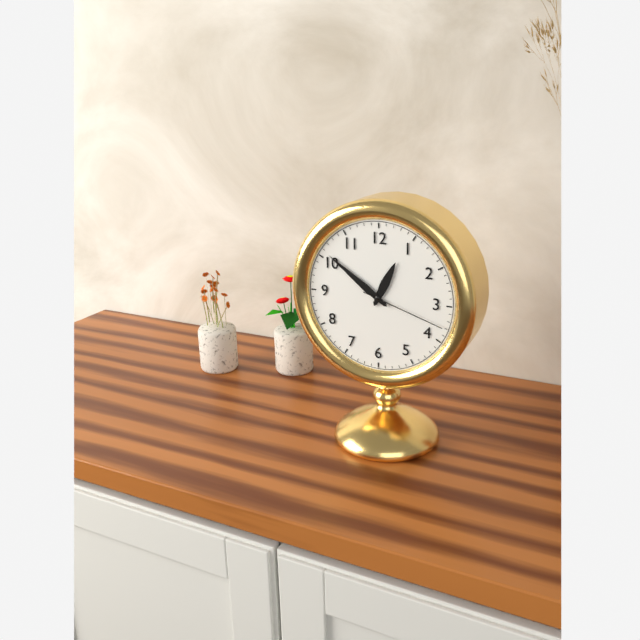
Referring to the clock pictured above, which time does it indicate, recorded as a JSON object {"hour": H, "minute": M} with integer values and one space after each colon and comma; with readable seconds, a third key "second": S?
{"hour": 12, "minute": 51, "second": 18}
